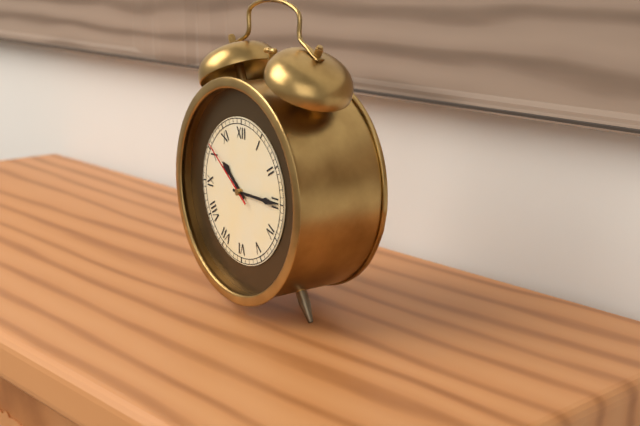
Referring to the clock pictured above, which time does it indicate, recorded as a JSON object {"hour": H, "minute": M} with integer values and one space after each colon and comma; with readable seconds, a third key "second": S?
{"hour": 10, "minute": 15, "second": 51}
